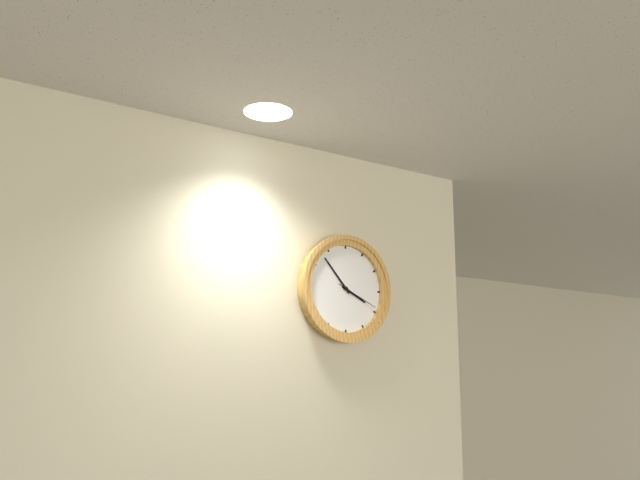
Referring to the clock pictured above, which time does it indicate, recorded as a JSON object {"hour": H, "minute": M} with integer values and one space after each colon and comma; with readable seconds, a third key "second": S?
{"hour": 3, "minute": 53}
